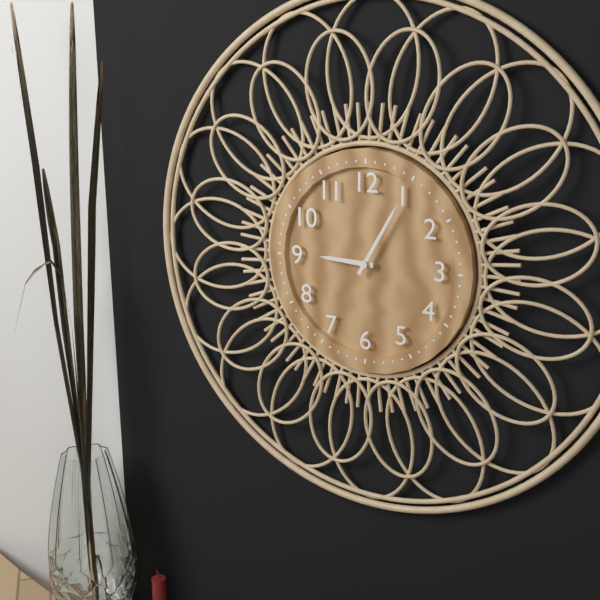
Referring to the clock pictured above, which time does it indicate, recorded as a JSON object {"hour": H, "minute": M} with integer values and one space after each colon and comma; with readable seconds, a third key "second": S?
{"hour": 9, "minute": 5}
